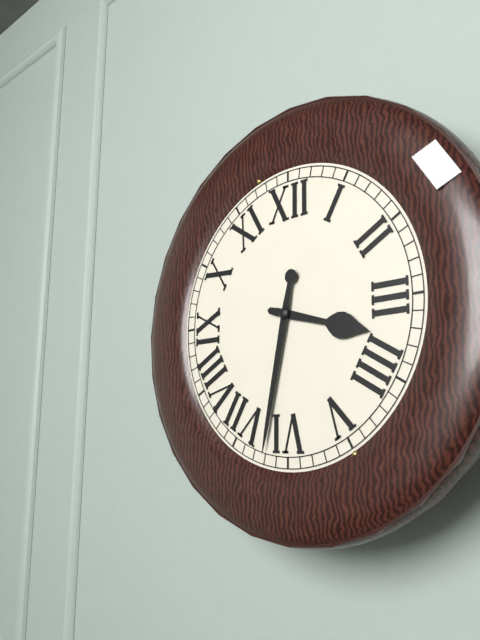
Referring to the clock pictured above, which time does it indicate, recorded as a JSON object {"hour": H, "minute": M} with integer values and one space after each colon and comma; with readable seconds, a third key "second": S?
{"hour": 3, "minute": 32}
